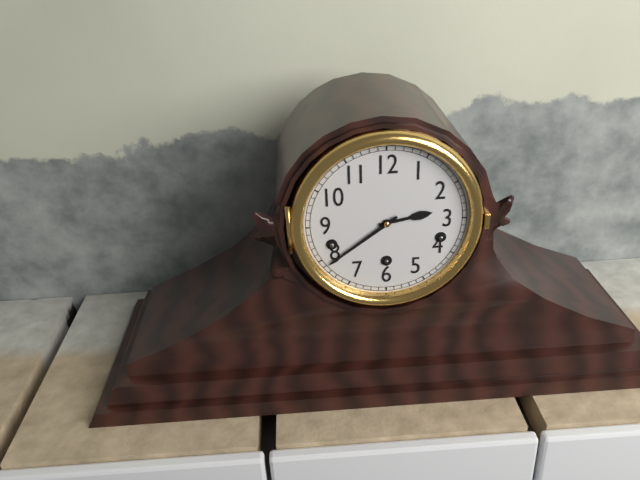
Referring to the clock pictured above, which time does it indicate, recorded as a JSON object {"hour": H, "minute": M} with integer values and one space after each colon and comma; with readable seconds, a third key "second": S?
{"hour": 2, "minute": 39}
